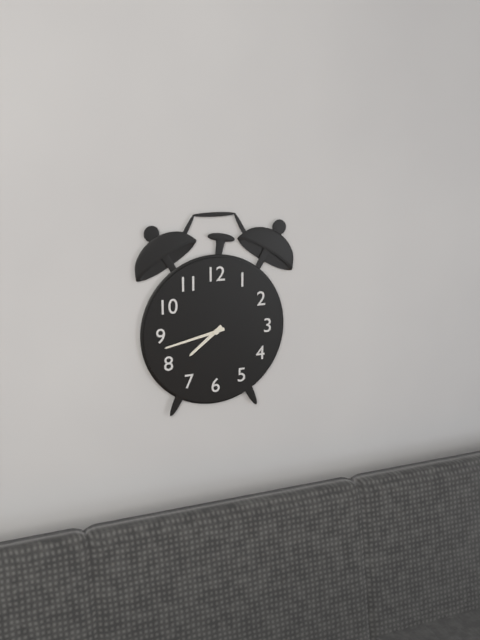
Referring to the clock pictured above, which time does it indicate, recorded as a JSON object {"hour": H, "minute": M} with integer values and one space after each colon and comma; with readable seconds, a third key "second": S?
{"hour": 7, "minute": 43}
